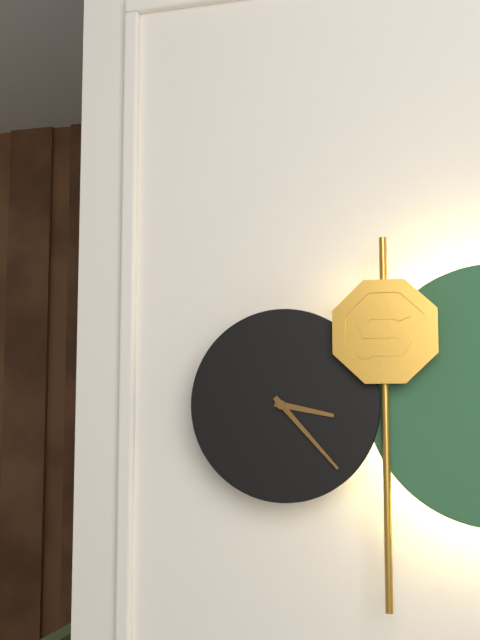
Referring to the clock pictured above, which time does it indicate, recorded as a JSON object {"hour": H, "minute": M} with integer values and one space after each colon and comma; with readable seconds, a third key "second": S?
{"hour": 3, "minute": 23}
